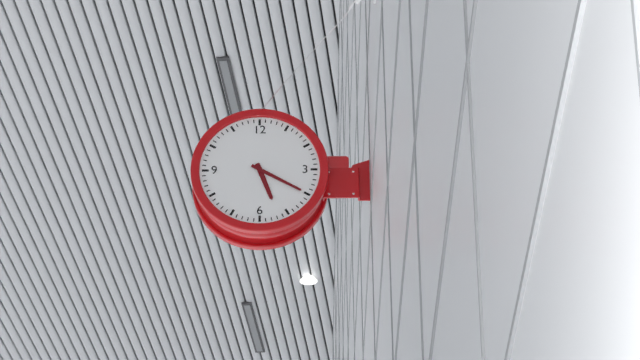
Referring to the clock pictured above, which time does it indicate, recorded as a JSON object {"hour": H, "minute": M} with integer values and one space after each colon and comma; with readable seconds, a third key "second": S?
{"hour": 5, "minute": 20}
